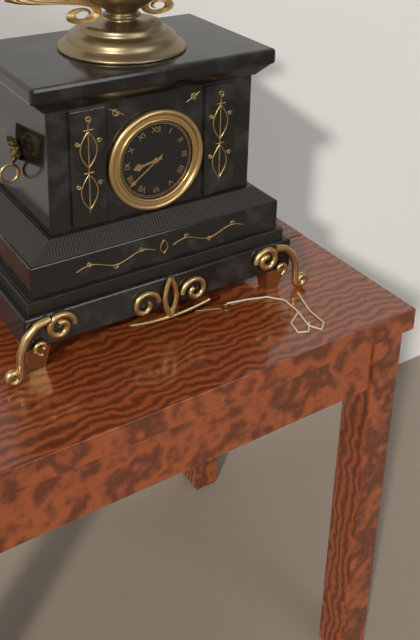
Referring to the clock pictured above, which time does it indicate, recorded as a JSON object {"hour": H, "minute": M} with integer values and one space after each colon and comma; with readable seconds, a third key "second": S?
{"hour": 8, "minute": 39}
